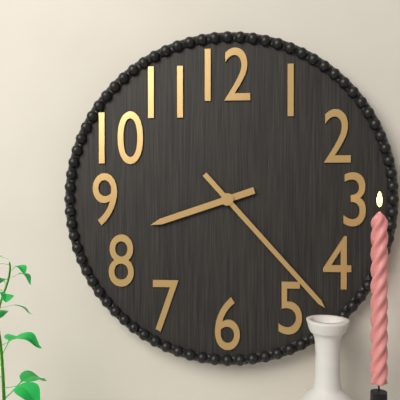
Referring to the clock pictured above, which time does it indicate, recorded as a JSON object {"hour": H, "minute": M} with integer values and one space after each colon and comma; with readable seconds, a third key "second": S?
{"hour": 8, "minute": 23}
